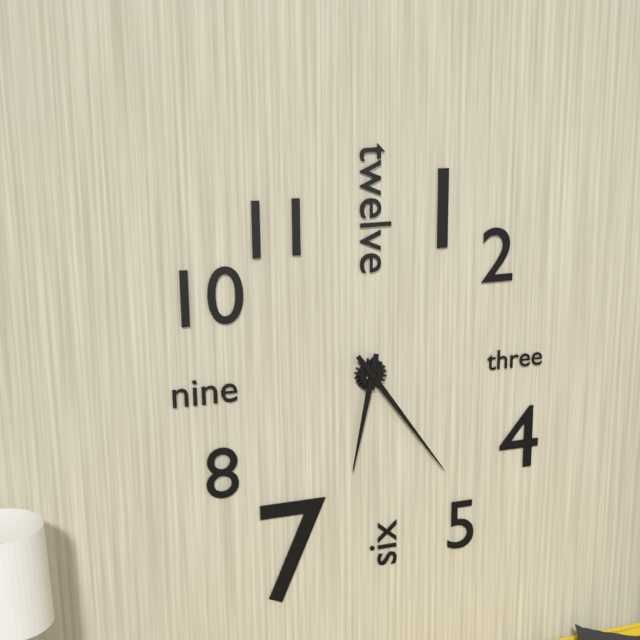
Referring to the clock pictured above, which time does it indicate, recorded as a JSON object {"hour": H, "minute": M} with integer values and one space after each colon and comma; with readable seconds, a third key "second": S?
{"hour": 6, "minute": 24}
